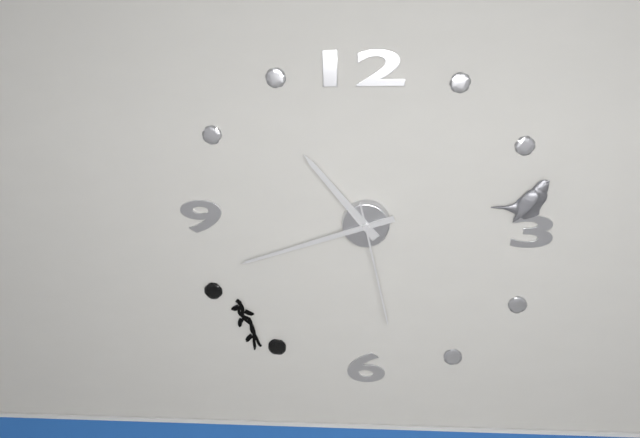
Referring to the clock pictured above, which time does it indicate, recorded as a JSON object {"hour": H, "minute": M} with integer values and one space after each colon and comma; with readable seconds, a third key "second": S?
{"hour": 10, "minute": 42, "second": 28}
